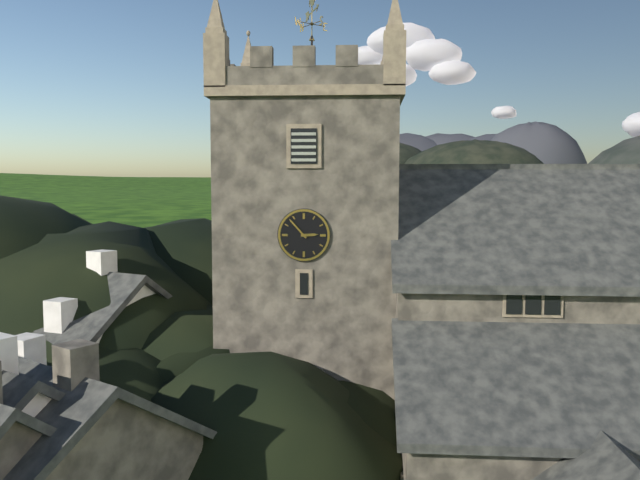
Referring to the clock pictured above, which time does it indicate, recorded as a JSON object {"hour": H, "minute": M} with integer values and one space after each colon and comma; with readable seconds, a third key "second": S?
{"hour": 2, "minute": 53}
